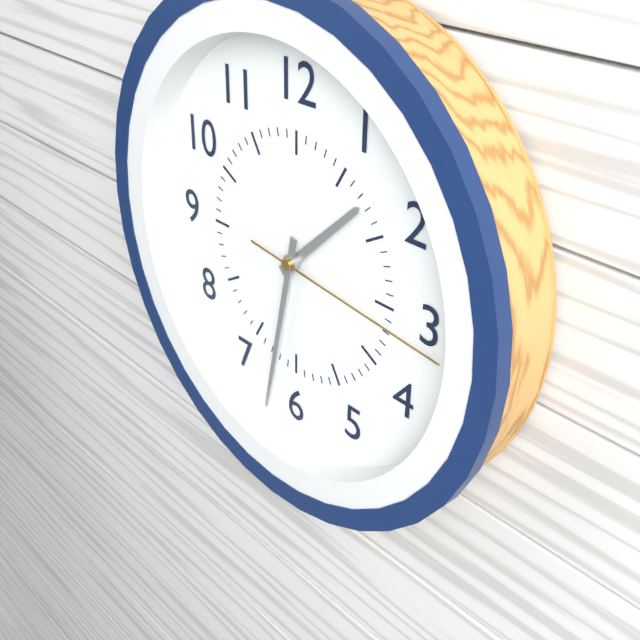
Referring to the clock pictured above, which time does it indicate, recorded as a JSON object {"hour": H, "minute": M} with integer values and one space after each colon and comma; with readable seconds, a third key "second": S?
{"hour": 1, "minute": 32, "second": 16}
